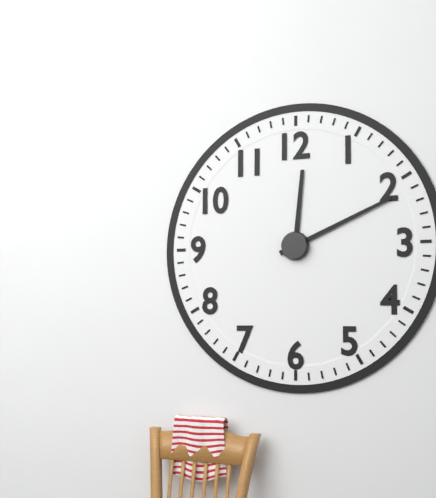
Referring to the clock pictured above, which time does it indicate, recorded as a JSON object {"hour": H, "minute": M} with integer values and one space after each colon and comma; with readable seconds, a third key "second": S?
{"hour": 12, "minute": 11}
